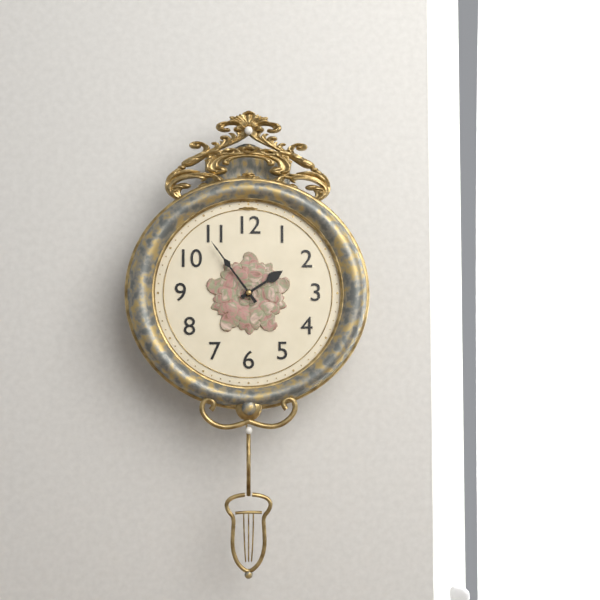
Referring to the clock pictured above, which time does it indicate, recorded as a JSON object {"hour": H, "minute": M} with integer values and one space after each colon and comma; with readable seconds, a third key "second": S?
{"hour": 1, "minute": 54}
